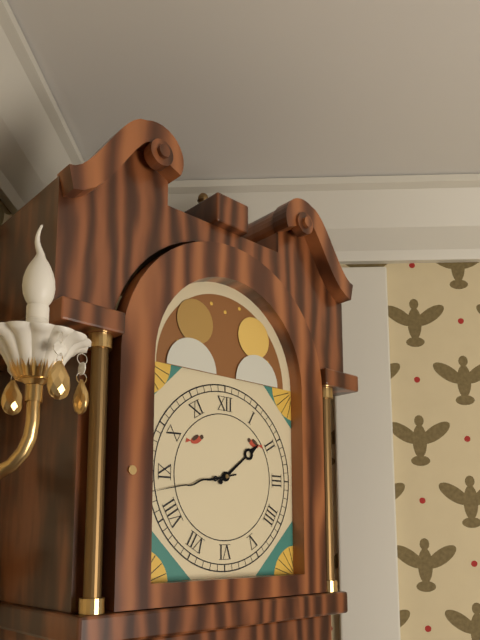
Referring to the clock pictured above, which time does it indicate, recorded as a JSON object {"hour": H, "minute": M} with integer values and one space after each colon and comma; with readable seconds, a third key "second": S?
{"hour": 1, "minute": 43}
